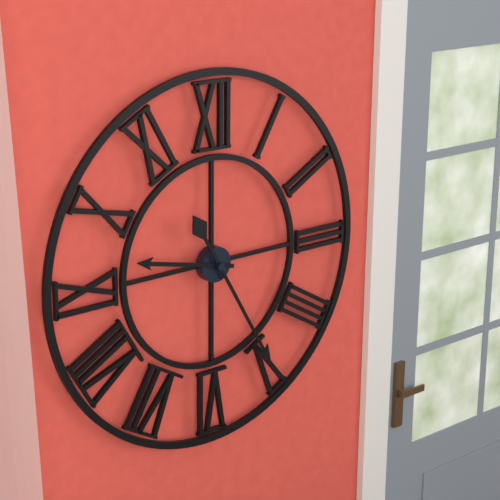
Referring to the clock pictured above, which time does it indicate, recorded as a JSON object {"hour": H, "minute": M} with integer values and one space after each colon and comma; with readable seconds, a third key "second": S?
{"hour": 9, "minute": 25}
